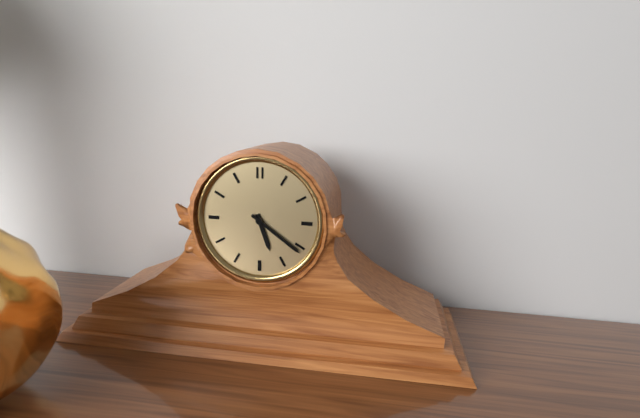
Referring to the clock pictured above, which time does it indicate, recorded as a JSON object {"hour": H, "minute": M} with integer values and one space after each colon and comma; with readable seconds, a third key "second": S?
{"hour": 5, "minute": 21}
